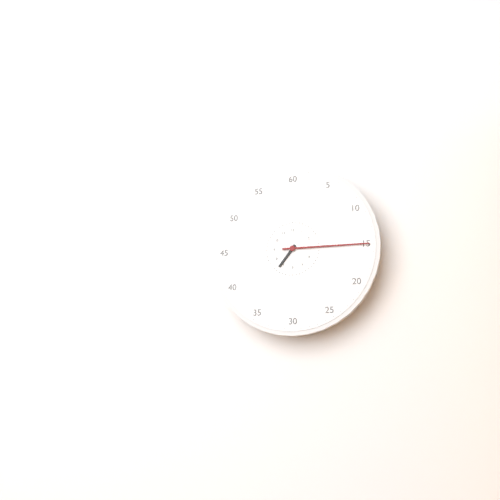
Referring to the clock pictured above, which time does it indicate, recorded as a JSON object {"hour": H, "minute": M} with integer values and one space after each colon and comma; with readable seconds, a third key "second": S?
{"hour": 7, "minute": 15}
